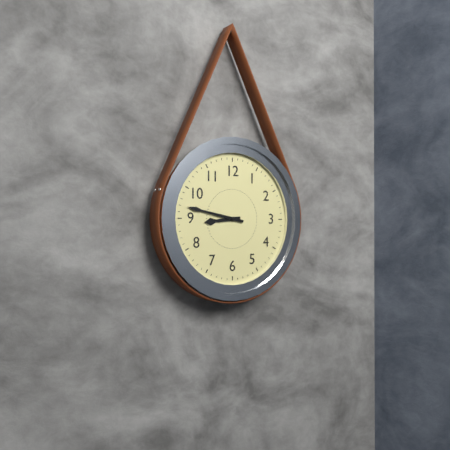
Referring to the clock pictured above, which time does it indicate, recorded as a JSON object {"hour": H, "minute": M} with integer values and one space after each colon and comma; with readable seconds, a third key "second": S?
{"hour": 8, "minute": 47}
